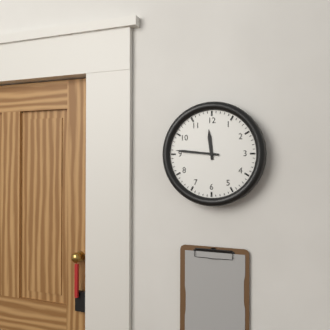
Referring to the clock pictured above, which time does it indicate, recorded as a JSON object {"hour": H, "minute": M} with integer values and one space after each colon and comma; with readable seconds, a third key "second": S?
{"hour": 11, "minute": 46}
